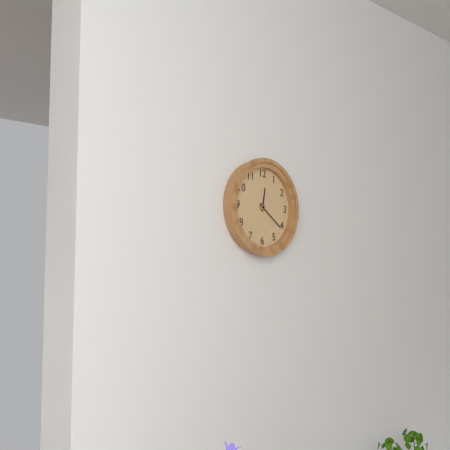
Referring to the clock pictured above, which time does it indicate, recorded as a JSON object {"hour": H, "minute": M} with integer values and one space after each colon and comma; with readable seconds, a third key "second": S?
{"hour": 12, "minute": 21}
